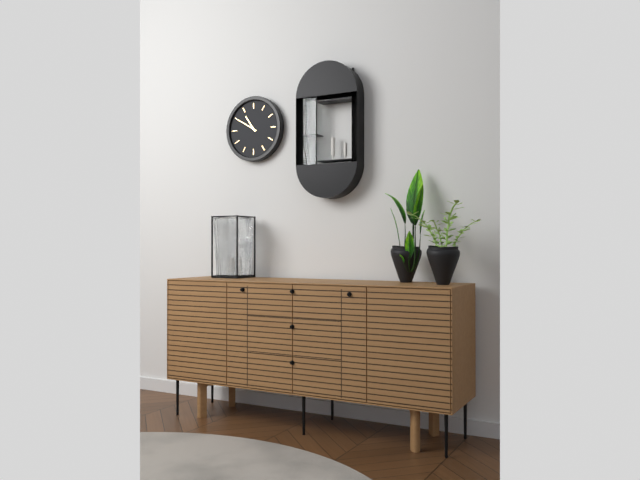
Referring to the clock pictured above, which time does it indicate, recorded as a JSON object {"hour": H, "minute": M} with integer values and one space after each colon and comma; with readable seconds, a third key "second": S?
{"hour": 10, "minute": 50}
